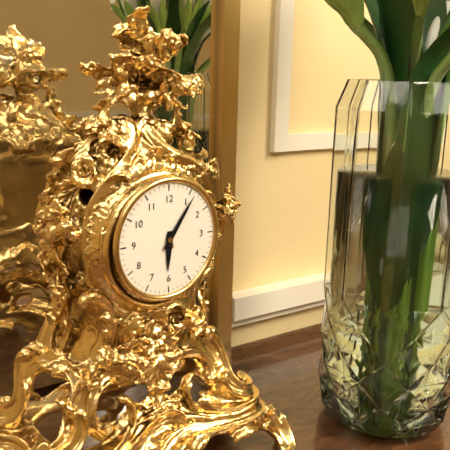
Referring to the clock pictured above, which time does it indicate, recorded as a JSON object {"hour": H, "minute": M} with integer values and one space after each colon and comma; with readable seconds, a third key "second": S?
{"hour": 6, "minute": 6}
